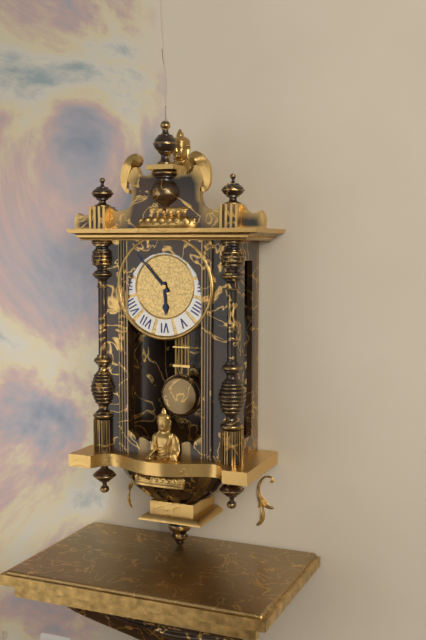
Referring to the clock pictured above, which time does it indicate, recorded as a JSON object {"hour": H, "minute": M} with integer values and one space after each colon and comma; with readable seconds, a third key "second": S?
{"hour": 5, "minute": 53}
